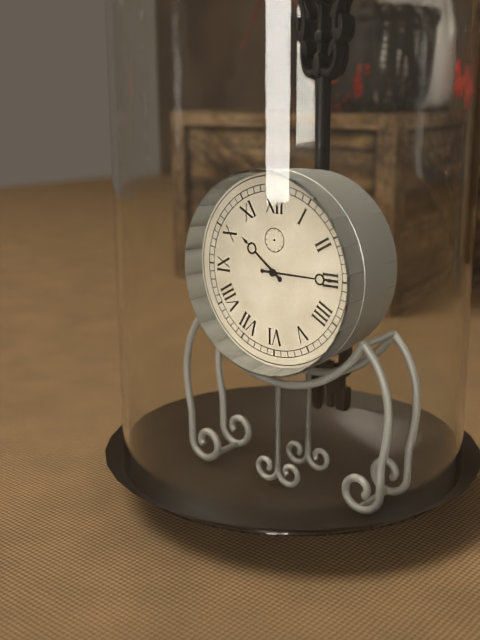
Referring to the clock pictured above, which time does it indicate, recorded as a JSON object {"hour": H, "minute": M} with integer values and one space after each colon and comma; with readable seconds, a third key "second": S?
{"hour": 10, "minute": 15}
